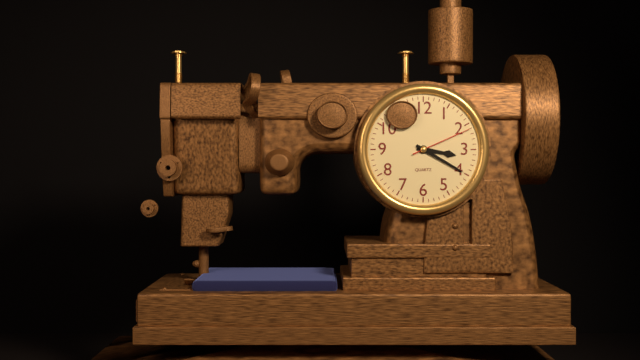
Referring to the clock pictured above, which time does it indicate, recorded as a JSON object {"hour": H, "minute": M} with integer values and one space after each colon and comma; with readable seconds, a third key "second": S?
{"hour": 3, "minute": 20, "second": 11}
